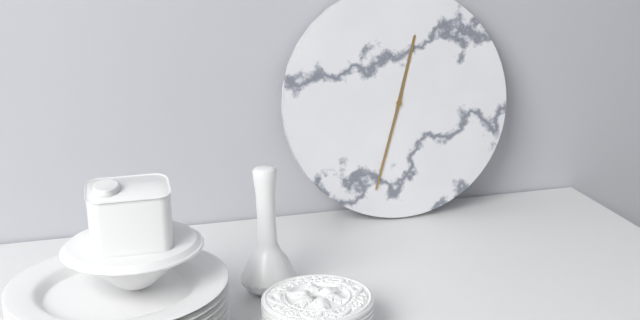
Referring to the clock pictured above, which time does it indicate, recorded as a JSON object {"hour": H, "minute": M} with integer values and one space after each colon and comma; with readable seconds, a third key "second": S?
{"hour": 12, "minute": 33}
